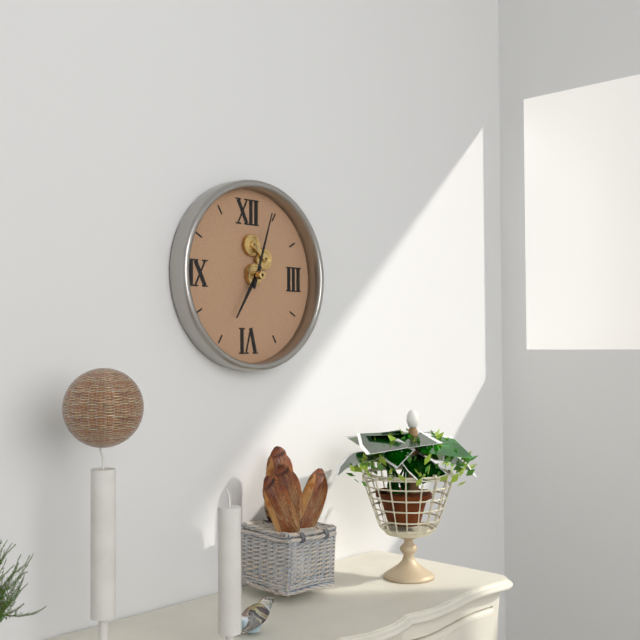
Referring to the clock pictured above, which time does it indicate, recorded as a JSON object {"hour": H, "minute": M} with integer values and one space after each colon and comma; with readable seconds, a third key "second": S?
{"hour": 7, "minute": 3}
